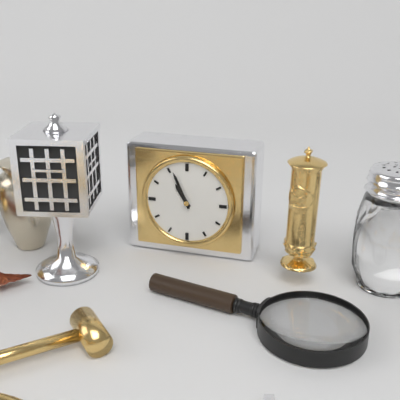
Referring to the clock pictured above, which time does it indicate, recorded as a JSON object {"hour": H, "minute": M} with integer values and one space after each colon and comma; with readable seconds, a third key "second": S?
{"hour": 10, "minute": 56}
